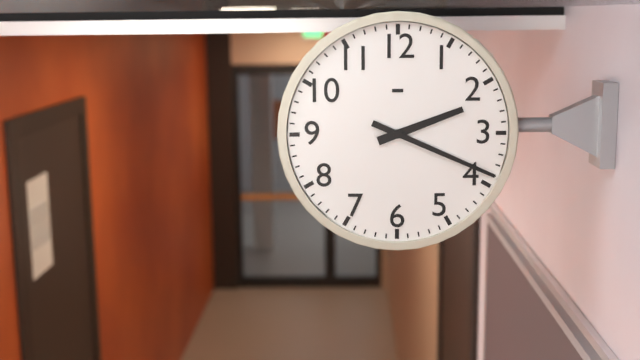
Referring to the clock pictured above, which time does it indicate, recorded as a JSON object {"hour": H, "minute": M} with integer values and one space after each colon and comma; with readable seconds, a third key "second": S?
{"hour": 2, "minute": 19}
